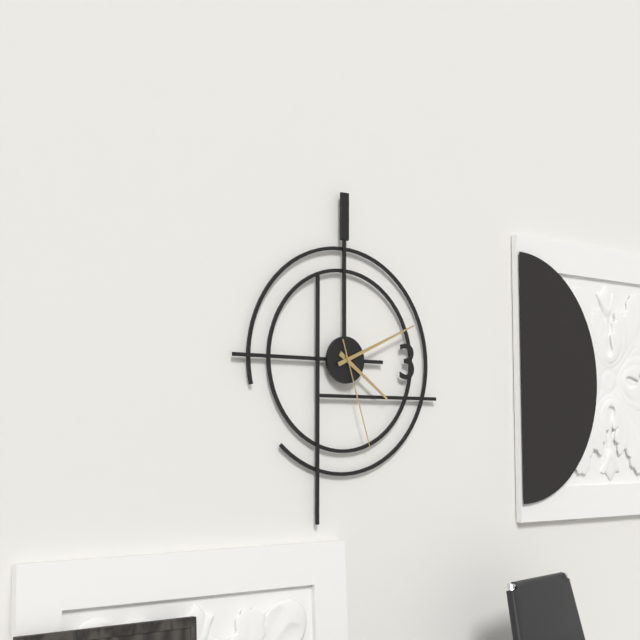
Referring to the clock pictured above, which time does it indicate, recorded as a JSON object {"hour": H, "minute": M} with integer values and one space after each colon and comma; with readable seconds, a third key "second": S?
{"hour": 4, "minute": 11, "second": 27}
